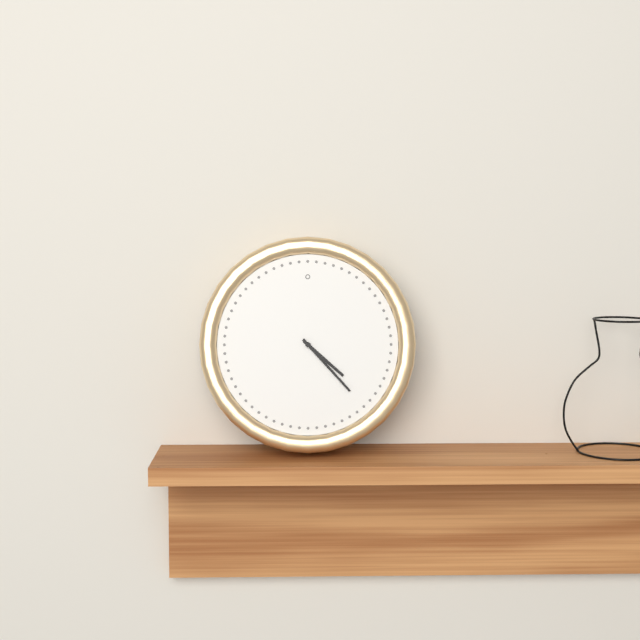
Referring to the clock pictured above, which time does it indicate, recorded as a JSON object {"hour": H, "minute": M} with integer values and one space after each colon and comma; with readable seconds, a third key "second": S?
{"hour": 4, "minute": 23}
